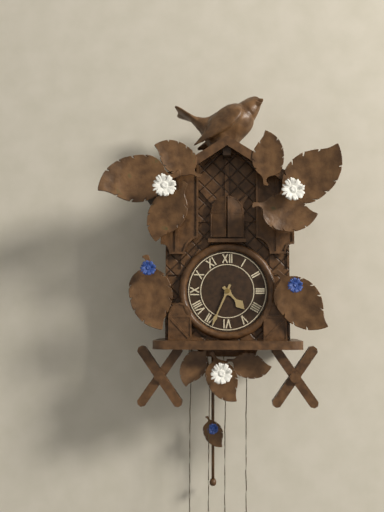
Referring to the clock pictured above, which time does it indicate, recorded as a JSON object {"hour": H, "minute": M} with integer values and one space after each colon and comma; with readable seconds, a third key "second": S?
{"hour": 4, "minute": 34}
